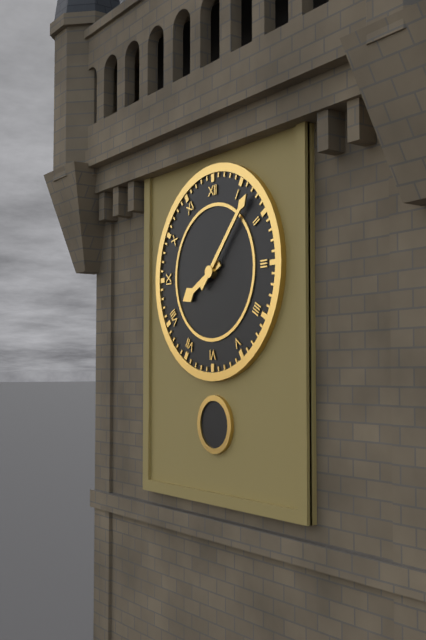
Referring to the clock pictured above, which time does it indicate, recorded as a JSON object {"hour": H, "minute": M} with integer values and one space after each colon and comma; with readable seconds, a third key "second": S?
{"hour": 8, "minute": 7}
